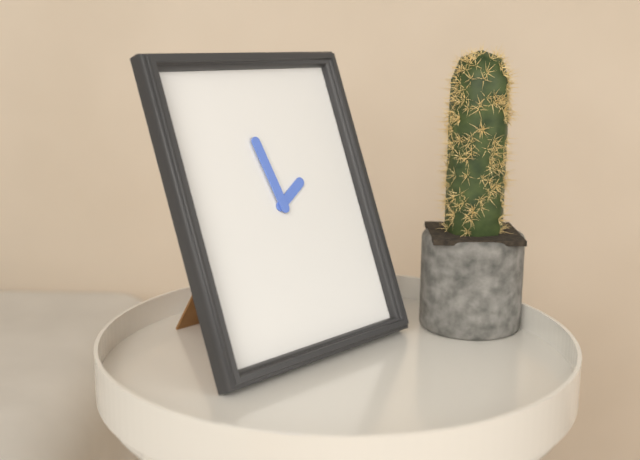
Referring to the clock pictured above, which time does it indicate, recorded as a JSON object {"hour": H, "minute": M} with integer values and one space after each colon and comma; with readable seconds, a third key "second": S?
{"hour": 1, "minute": 58}
